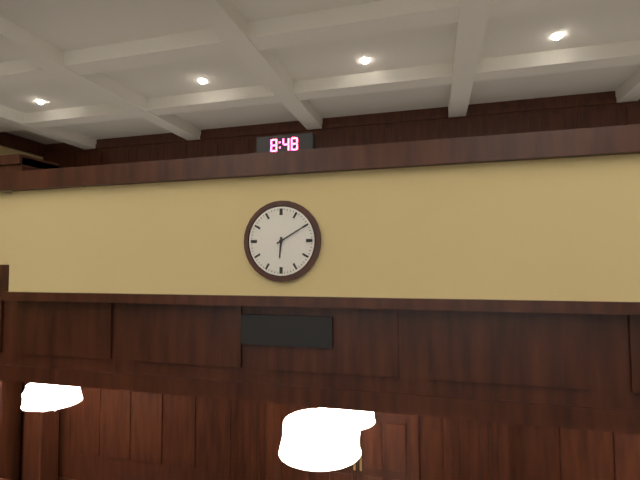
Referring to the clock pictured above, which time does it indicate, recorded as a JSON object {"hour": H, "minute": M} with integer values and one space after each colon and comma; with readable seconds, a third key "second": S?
{"hour": 6, "minute": 10}
